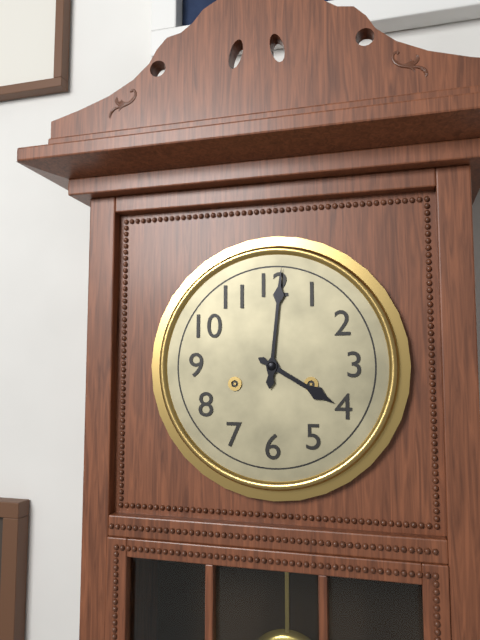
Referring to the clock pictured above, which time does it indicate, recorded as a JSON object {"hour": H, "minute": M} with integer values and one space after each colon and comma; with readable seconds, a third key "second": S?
{"hour": 4, "minute": 1}
